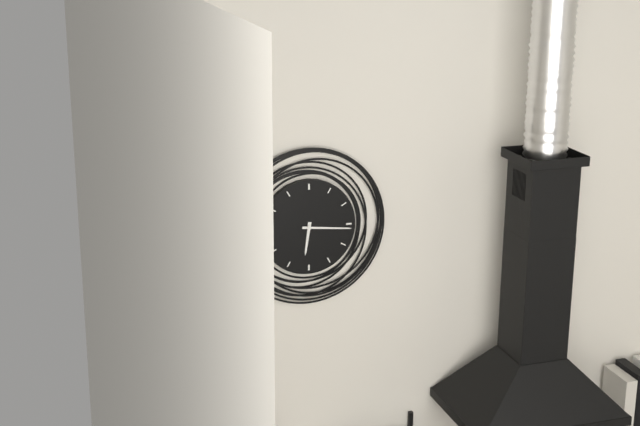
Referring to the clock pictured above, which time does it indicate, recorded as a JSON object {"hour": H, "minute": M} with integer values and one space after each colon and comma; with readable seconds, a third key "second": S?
{"hour": 6, "minute": 16}
